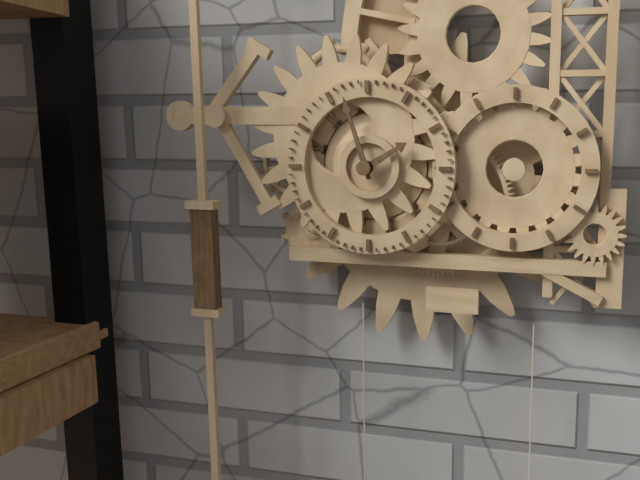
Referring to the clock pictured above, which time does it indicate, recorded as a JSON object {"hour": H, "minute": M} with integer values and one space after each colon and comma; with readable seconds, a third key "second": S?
{"hour": 1, "minute": 57}
